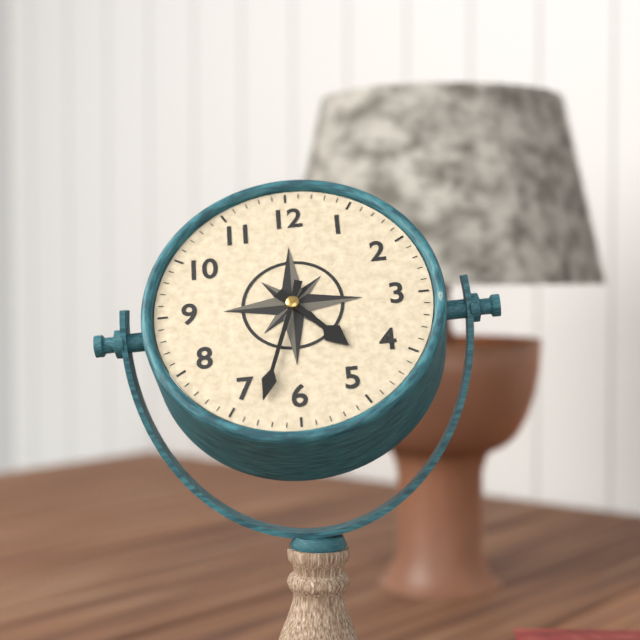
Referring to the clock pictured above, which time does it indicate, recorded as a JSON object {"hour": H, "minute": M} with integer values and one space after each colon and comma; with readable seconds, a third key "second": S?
{"hour": 4, "minute": 33}
